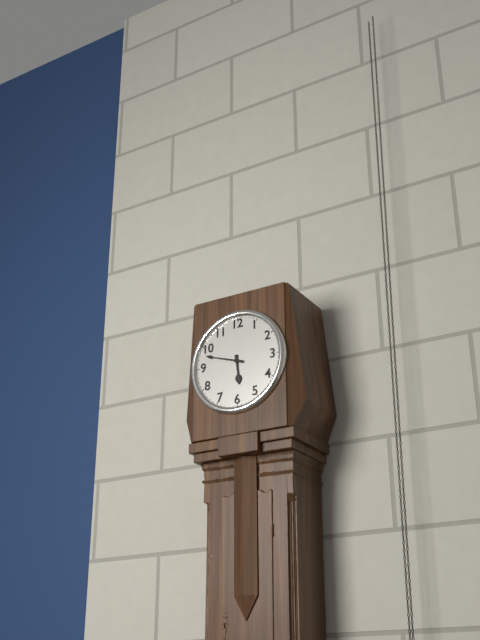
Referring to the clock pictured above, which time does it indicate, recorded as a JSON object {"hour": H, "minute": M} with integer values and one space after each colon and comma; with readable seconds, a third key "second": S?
{"hour": 5, "minute": 48}
